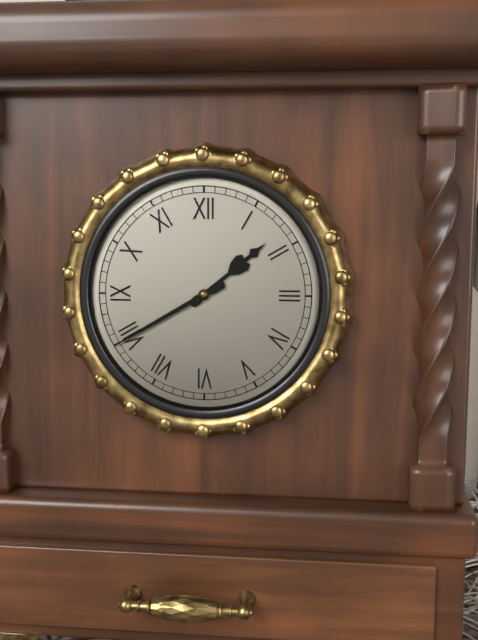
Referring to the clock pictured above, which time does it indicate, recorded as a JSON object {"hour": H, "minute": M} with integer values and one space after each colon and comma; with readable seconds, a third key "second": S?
{"hour": 1, "minute": 40}
